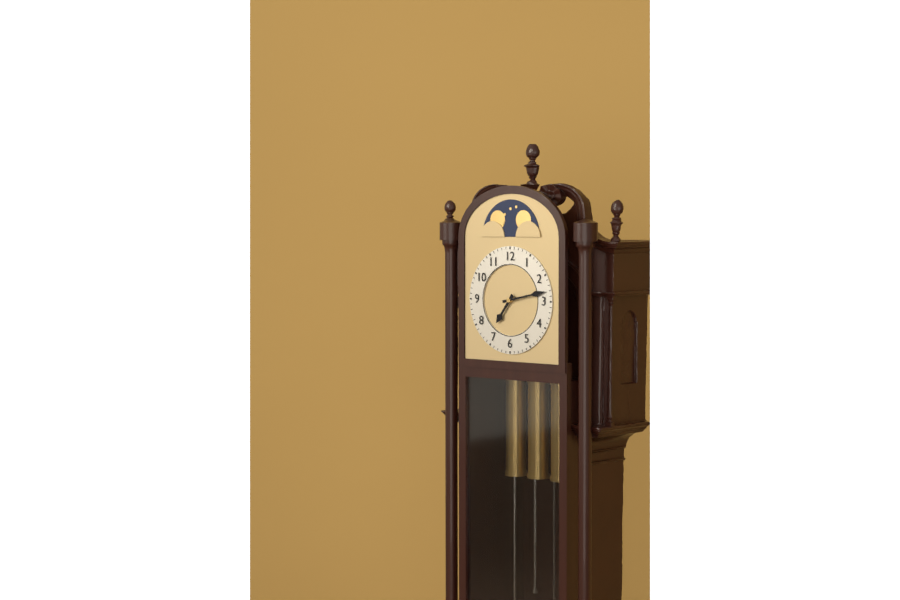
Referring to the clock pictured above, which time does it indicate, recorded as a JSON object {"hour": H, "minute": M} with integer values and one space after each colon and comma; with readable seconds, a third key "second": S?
{"hour": 7, "minute": 13}
